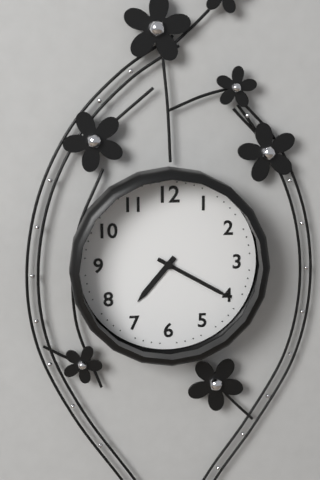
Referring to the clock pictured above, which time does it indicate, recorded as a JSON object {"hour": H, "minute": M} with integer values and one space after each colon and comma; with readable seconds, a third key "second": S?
{"hour": 7, "minute": 20}
